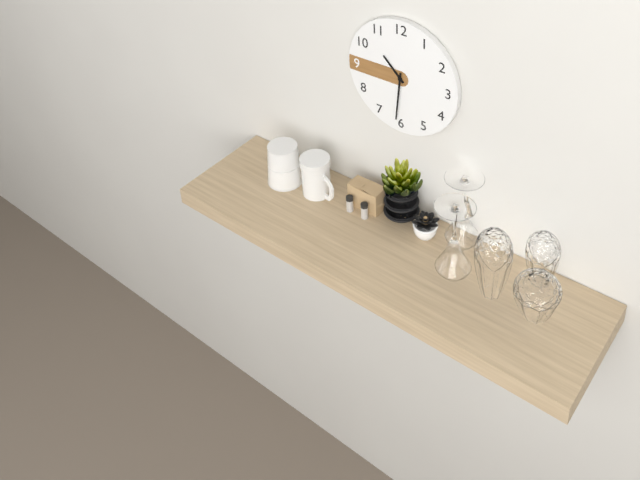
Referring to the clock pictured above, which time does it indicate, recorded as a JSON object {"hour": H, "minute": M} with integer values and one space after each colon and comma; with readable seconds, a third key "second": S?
{"hour": 10, "minute": 31}
